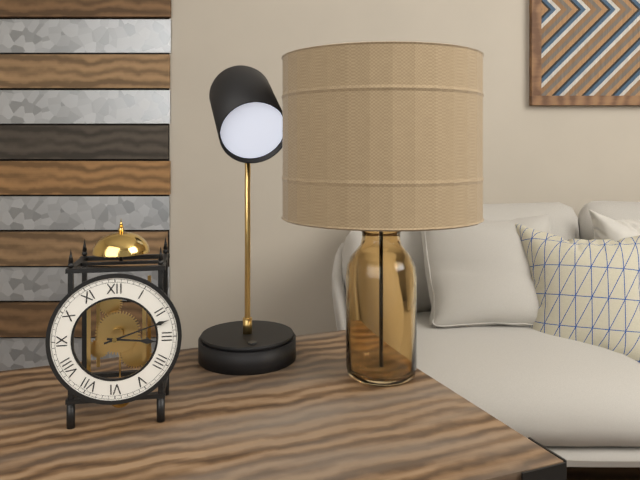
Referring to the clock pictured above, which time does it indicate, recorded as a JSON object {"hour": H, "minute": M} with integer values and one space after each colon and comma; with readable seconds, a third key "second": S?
{"hour": 3, "minute": 12}
